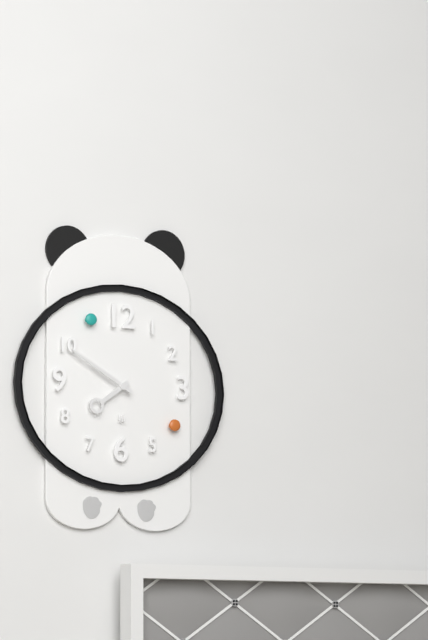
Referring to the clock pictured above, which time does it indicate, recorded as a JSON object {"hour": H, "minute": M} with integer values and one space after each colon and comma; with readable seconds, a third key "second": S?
{"hour": 7, "minute": 50}
